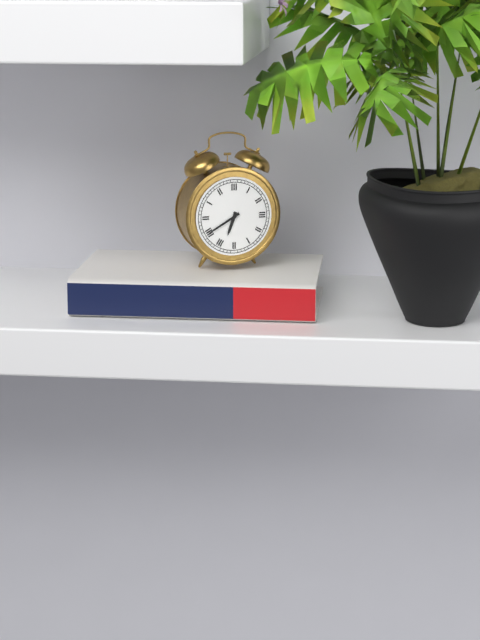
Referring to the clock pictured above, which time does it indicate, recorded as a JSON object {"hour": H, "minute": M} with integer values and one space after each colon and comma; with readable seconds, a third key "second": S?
{"hour": 6, "minute": 40}
